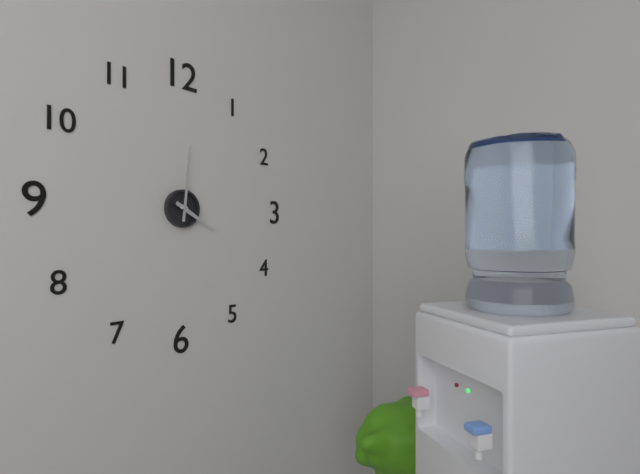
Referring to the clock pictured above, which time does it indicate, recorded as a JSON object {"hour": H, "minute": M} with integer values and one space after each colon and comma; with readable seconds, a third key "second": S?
{"hour": 4, "minute": 1}
